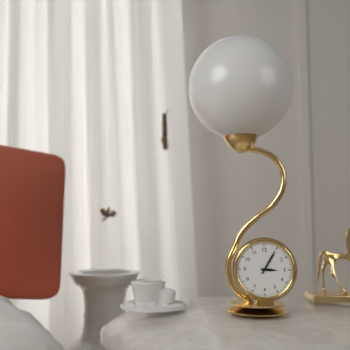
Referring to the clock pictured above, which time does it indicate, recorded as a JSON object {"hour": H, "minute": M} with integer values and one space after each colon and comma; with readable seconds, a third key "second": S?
{"hour": 3, "minute": 5}
